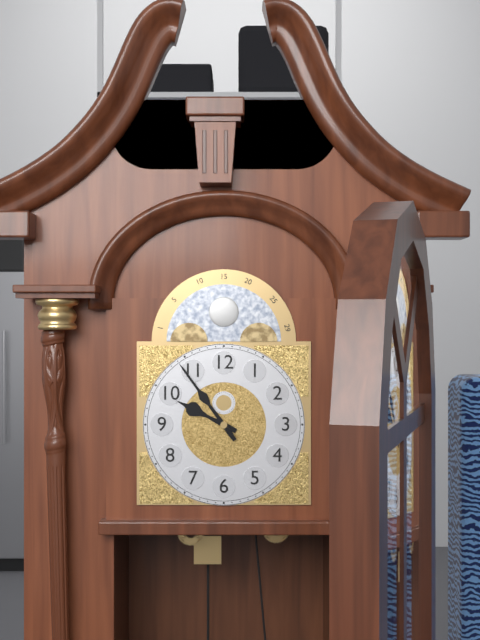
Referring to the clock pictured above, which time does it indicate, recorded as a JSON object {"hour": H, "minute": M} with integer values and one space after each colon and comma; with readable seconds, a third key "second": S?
{"hour": 9, "minute": 54}
